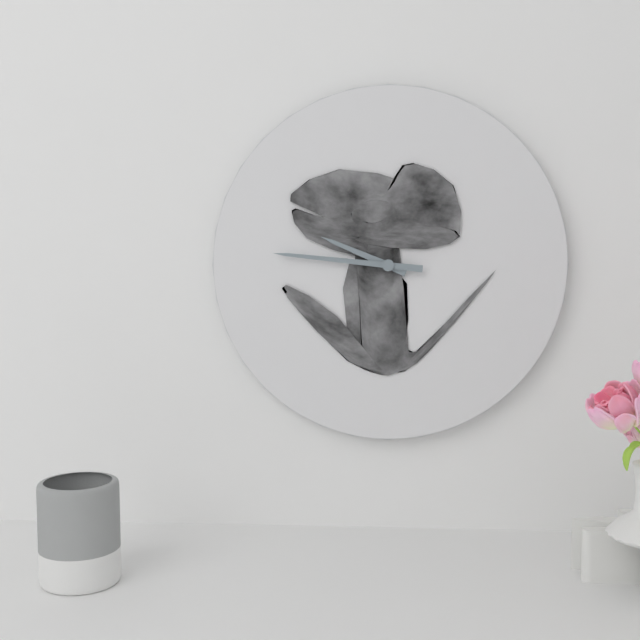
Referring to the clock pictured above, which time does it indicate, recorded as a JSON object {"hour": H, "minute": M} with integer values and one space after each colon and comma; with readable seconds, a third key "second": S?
{"hour": 9, "minute": 46}
